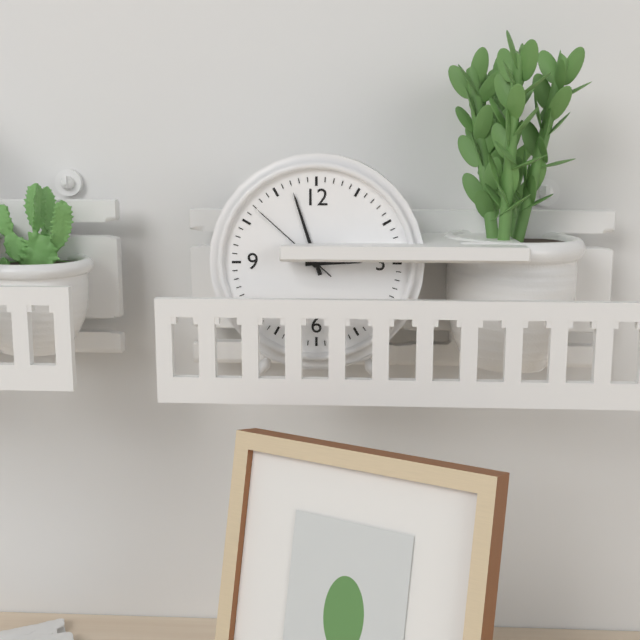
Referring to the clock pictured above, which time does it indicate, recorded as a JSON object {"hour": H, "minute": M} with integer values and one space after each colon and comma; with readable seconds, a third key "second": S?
{"hour": 2, "minute": 57, "second": 52}
